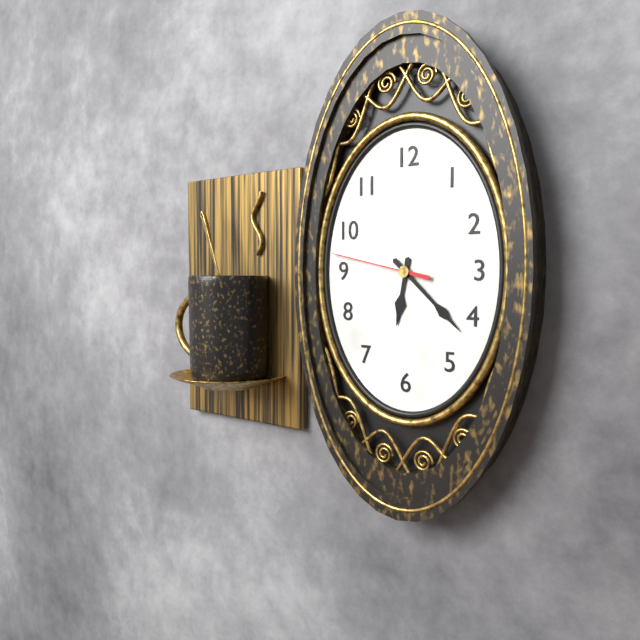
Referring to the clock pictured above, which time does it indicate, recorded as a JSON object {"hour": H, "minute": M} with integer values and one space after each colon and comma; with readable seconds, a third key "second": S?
{"hour": 6, "minute": 22, "second": 47}
